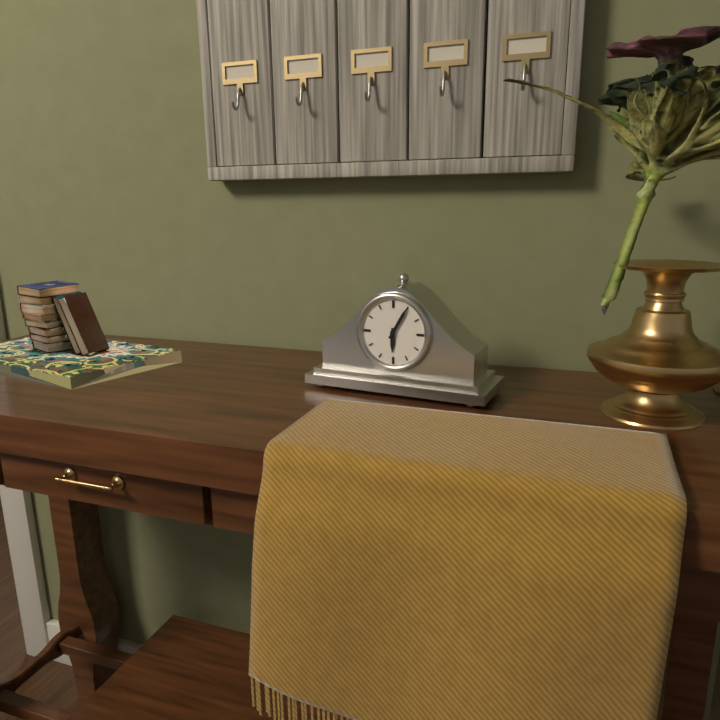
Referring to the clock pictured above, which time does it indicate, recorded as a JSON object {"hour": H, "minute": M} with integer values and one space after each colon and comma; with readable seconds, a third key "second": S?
{"hour": 6, "minute": 5}
